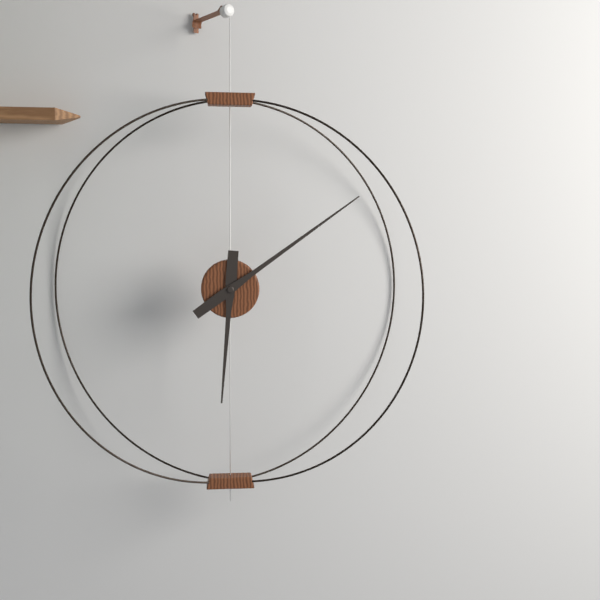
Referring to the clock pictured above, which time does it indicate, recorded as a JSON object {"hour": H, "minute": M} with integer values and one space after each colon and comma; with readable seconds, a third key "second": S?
{"hour": 6, "minute": 9}
